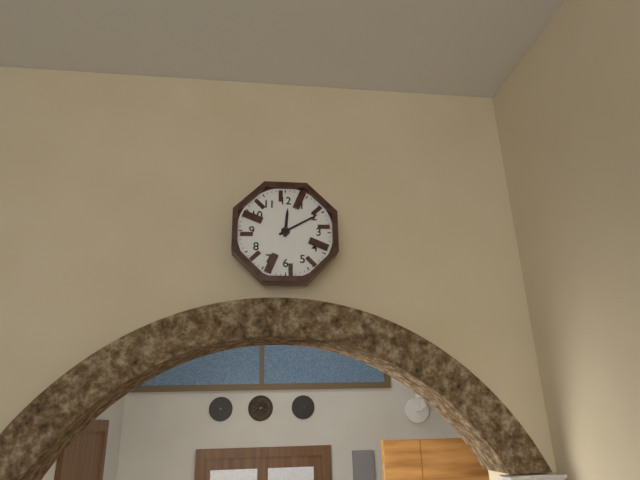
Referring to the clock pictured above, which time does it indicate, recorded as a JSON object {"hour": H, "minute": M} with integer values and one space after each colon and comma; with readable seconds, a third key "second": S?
{"hour": 12, "minute": 10}
